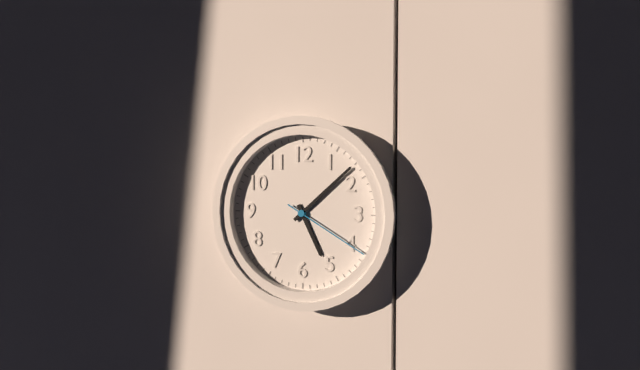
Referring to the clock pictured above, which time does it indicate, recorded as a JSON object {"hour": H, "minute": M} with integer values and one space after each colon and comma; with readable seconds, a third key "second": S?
{"hour": 5, "minute": 8, "second": 20}
